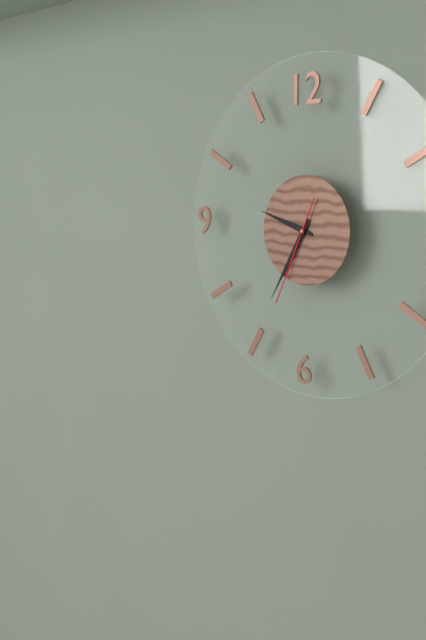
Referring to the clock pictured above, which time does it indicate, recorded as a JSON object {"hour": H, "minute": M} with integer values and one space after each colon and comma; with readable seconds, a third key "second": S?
{"hour": 9, "minute": 35, "second": 34}
